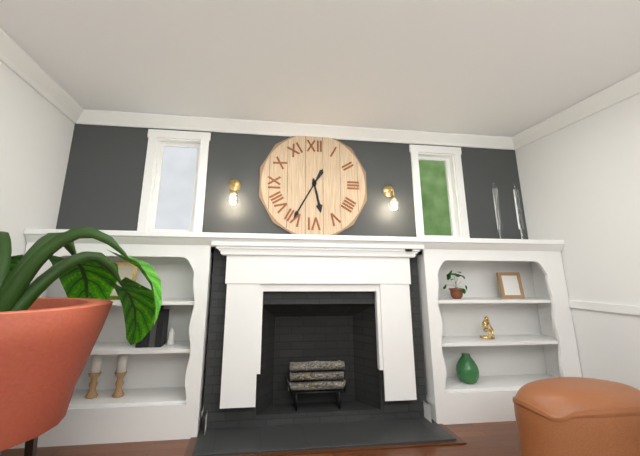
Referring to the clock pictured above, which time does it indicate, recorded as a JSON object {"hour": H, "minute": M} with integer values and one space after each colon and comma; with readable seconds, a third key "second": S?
{"hour": 5, "minute": 35}
